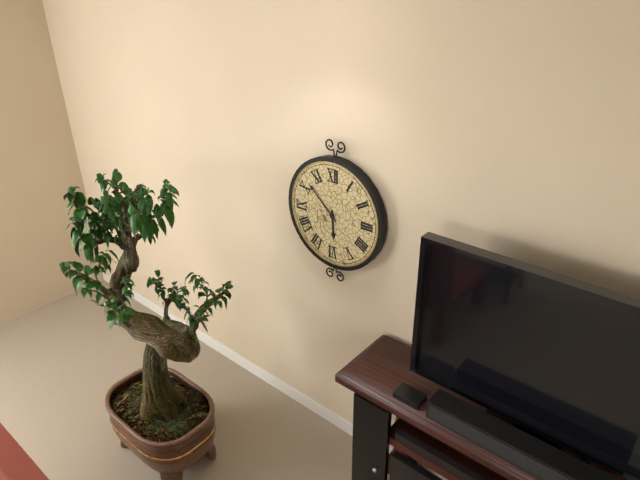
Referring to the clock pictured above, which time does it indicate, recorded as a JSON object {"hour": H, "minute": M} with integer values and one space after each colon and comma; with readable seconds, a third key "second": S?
{"hour": 5, "minute": 52}
